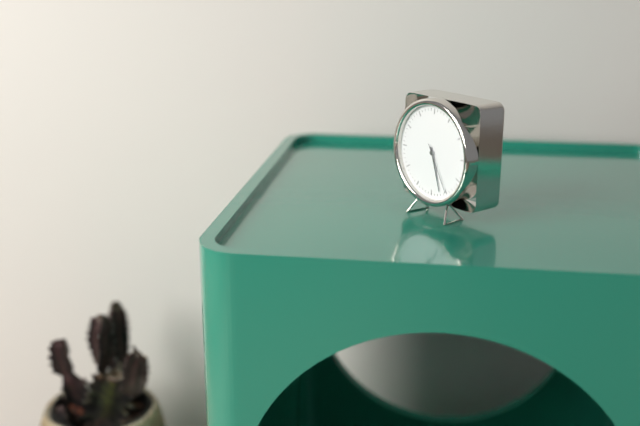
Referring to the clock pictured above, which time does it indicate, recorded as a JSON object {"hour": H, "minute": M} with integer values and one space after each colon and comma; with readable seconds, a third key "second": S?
{"hour": 5, "minute": 27, "second": 25}
